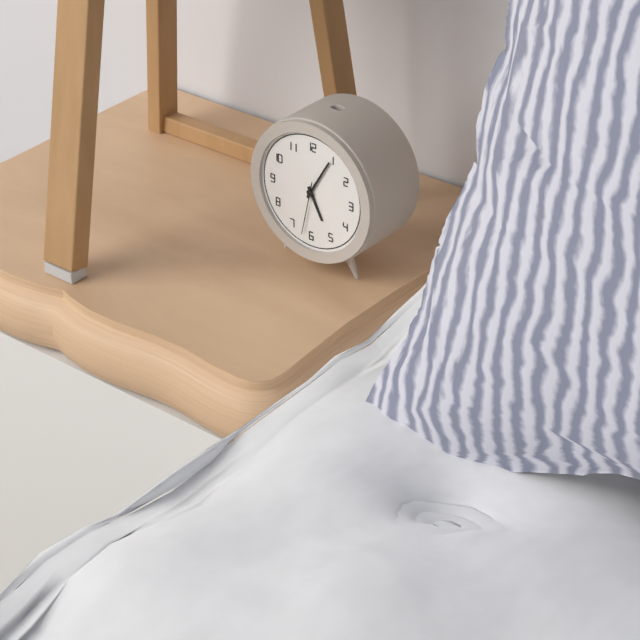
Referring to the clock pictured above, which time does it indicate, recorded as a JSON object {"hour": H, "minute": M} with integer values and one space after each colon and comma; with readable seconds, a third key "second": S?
{"hour": 5, "minute": 5, "second": 32}
